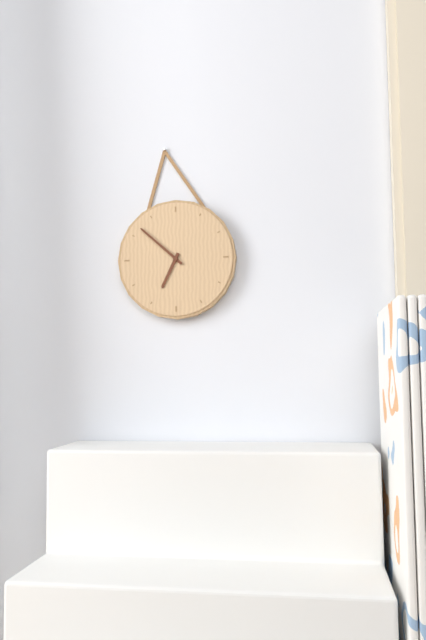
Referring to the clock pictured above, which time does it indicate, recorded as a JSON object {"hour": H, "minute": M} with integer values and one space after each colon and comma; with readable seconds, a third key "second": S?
{"hour": 6, "minute": 52}
